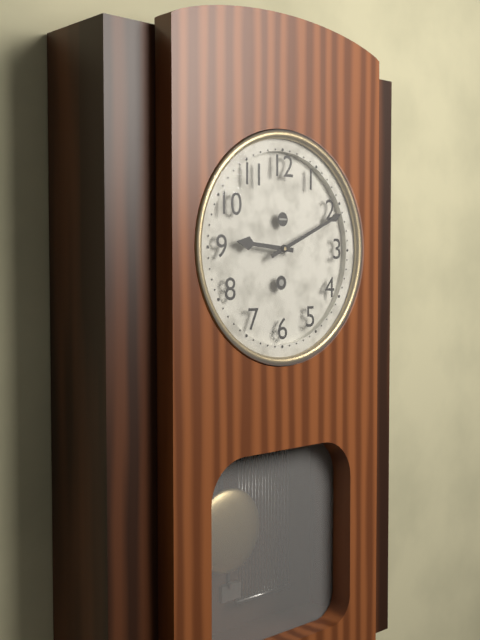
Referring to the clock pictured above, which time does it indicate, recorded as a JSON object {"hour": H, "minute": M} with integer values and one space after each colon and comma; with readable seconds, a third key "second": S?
{"hour": 9, "minute": 11}
